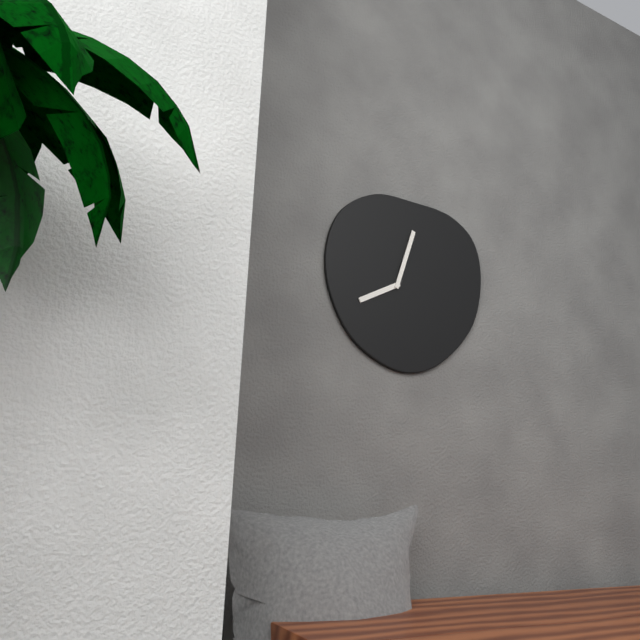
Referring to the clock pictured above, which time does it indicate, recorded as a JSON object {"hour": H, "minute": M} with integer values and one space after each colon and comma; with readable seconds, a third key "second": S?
{"hour": 8, "minute": 3}
